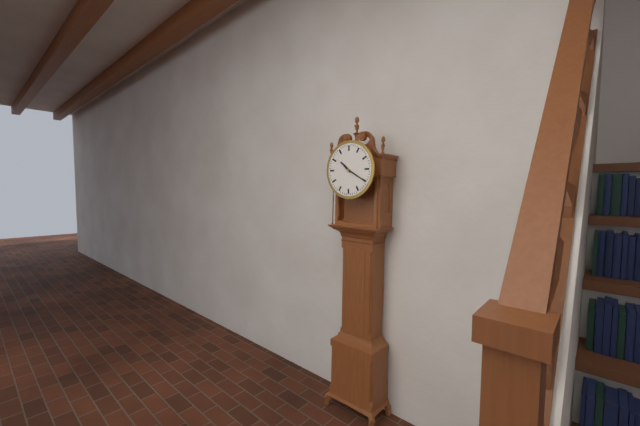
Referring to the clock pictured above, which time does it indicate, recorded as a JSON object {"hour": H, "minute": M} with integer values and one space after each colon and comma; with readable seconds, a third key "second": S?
{"hour": 10, "minute": 20}
